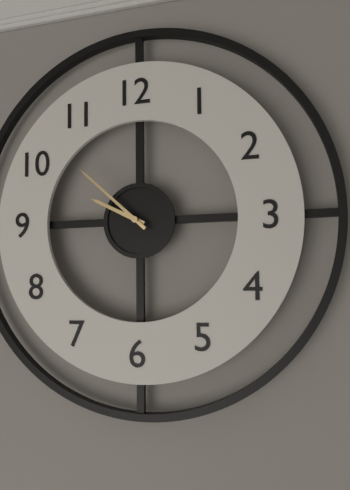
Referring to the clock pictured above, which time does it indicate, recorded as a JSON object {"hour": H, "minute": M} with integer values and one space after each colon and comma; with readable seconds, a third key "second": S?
{"hour": 9, "minute": 52}
